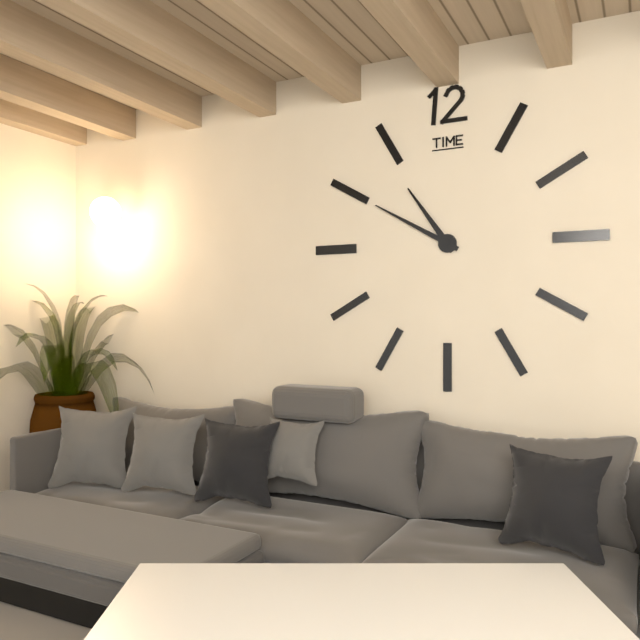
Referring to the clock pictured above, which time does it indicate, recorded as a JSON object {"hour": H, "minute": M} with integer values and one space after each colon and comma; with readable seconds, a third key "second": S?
{"hour": 10, "minute": 50}
